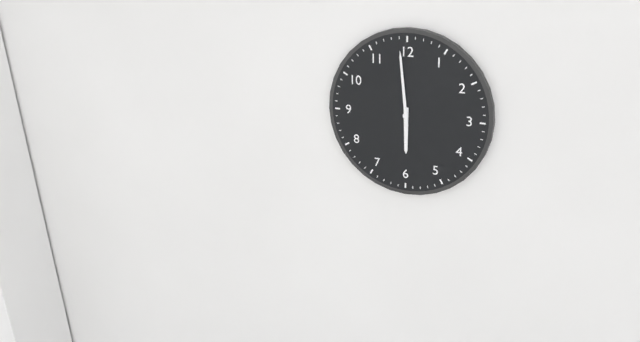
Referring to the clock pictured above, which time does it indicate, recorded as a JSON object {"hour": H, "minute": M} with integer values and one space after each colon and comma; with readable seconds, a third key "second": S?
{"hour": 5, "minute": 59}
